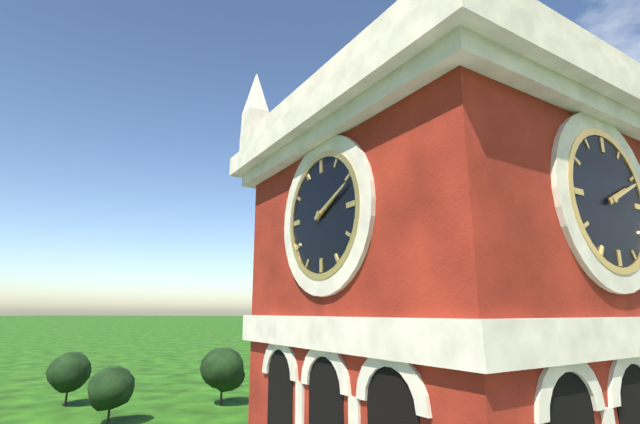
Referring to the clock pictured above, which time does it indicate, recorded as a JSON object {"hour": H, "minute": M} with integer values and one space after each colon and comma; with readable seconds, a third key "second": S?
{"hour": 2, "minute": 11}
